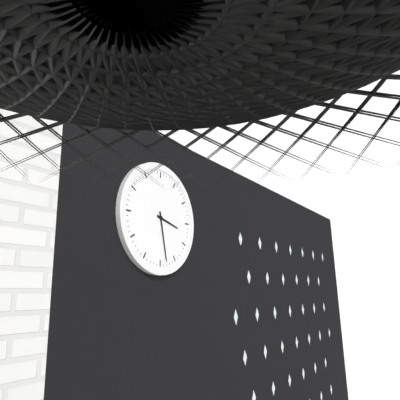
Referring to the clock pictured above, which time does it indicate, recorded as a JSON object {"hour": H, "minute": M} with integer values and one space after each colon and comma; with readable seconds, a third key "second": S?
{"hour": 3, "minute": 28}
